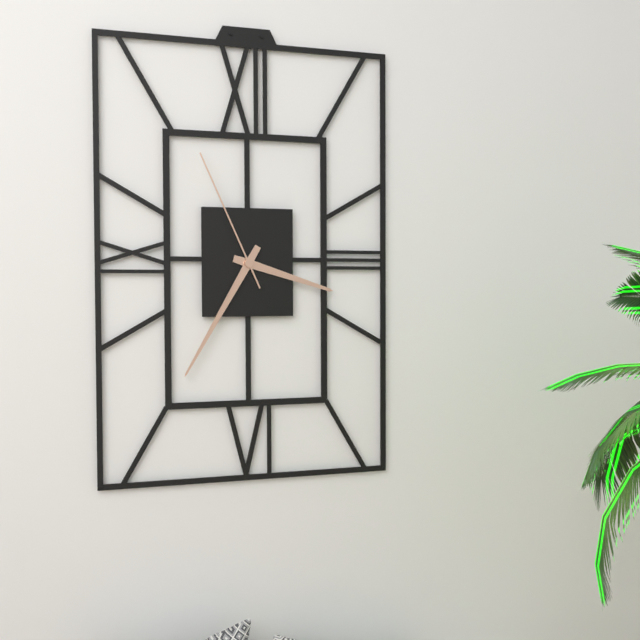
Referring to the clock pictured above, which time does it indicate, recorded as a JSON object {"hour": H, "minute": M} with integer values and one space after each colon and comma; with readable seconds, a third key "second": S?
{"hour": 3, "minute": 35, "second": 56}
